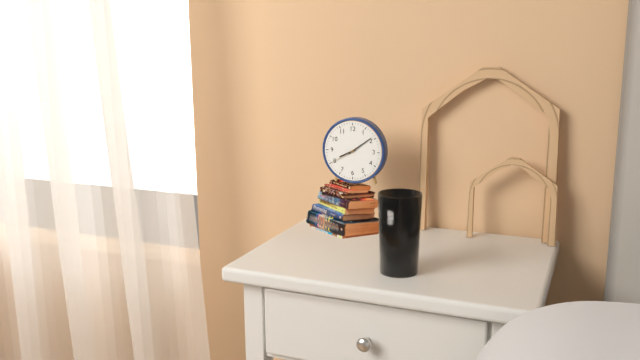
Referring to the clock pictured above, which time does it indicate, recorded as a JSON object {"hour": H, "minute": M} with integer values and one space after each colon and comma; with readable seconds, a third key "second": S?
{"hour": 8, "minute": 9}
